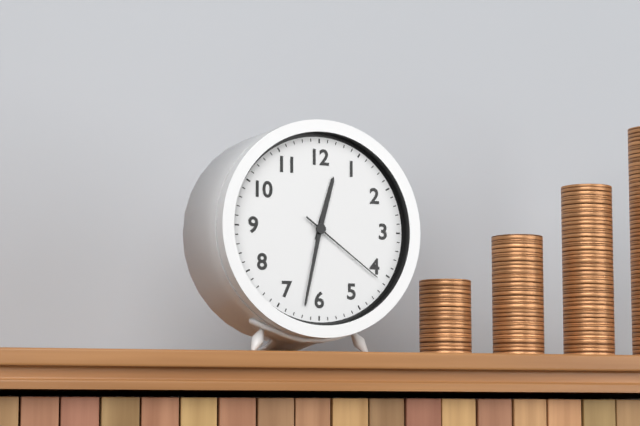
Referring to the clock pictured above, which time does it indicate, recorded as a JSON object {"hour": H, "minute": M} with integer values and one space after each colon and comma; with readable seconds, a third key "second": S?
{"hour": 12, "minute": 32, "second": 21}
